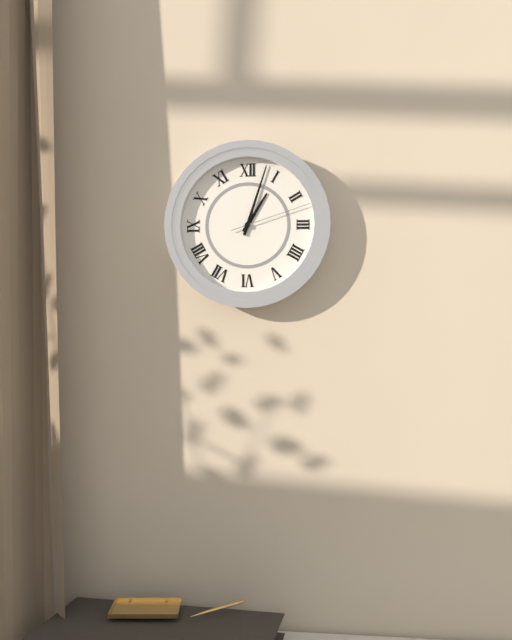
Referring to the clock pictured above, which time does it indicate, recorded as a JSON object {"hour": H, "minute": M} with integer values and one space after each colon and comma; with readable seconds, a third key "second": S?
{"hour": 1, "minute": 3, "second": 12}
